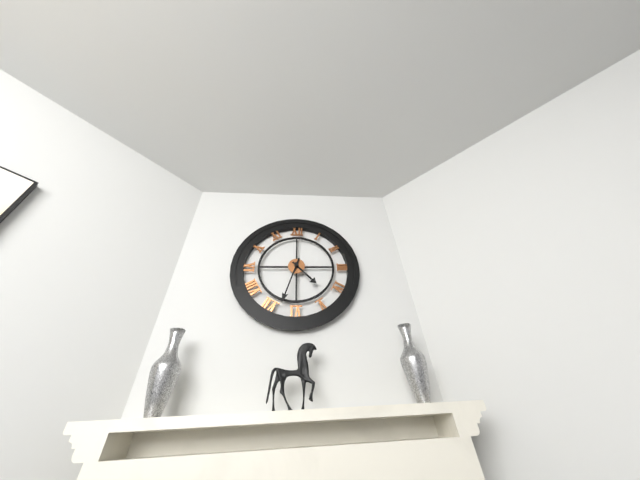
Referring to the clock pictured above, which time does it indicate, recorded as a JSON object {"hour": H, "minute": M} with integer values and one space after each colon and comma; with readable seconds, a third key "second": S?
{"hour": 4, "minute": 33}
